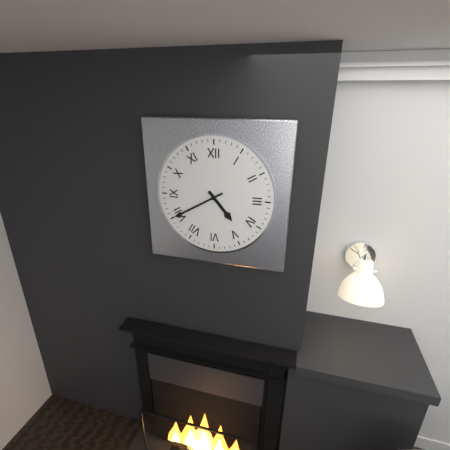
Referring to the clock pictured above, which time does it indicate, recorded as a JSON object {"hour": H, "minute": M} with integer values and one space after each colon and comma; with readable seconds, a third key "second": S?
{"hour": 4, "minute": 40}
